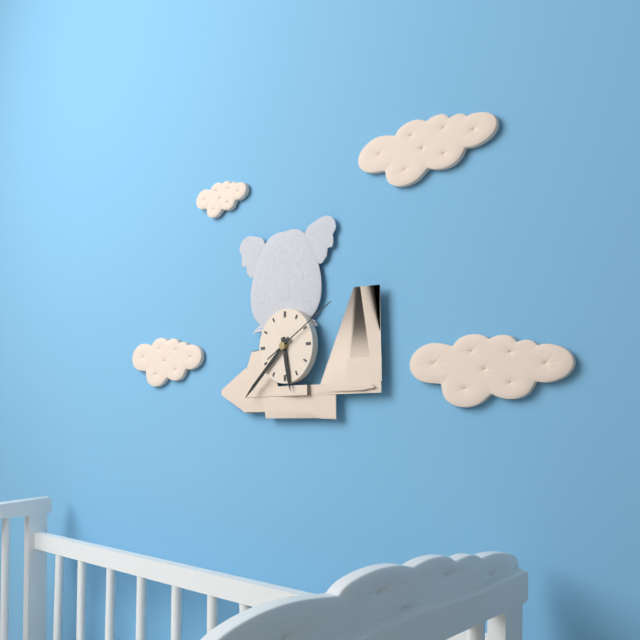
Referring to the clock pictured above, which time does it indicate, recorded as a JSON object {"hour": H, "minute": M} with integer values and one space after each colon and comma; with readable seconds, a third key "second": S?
{"hour": 5, "minute": 38, "second": 10}
